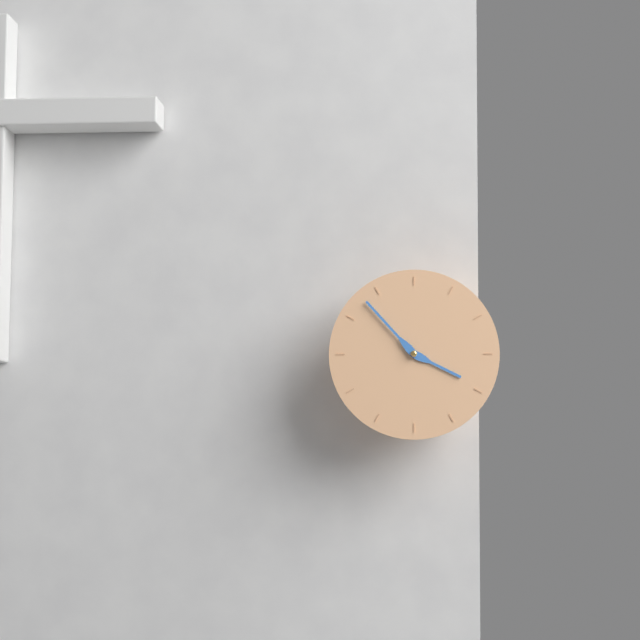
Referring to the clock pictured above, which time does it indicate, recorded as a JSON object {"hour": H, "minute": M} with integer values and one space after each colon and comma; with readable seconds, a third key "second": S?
{"hour": 3, "minute": 53}
